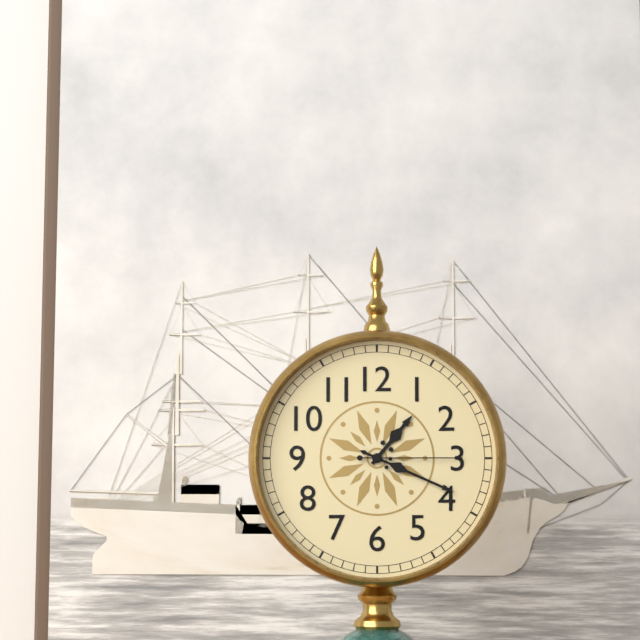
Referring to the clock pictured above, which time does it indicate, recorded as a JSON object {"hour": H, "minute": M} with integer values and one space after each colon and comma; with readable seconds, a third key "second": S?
{"hour": 1, "minute": 19, "second": 15}
